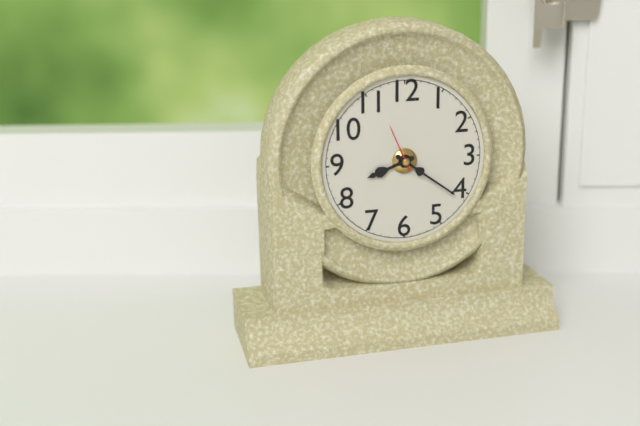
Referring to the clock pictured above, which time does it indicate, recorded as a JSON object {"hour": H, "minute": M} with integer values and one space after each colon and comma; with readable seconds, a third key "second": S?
{"hour": 8, "minute": 21, "second": 56}
